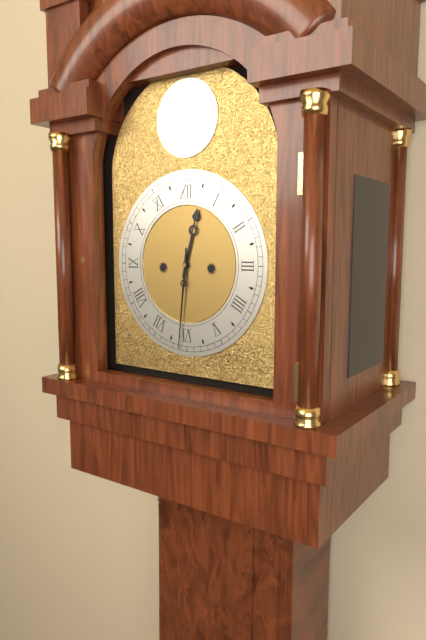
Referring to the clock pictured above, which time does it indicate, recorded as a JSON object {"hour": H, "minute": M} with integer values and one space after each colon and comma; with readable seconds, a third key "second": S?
{"hour": 12, "minute": 31}
